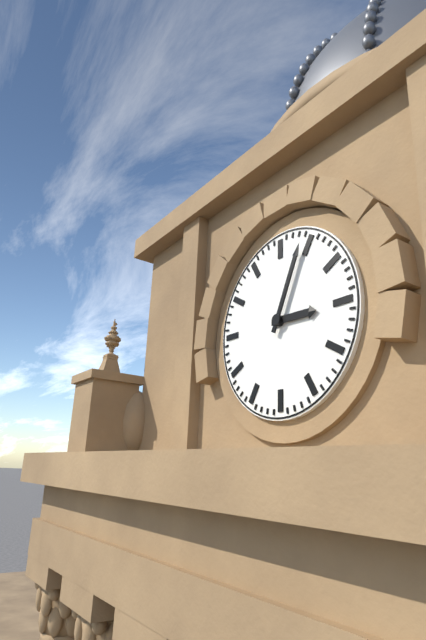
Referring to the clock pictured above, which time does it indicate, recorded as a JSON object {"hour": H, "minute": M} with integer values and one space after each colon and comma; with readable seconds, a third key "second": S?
{"hour": 3, "minute": 4}
